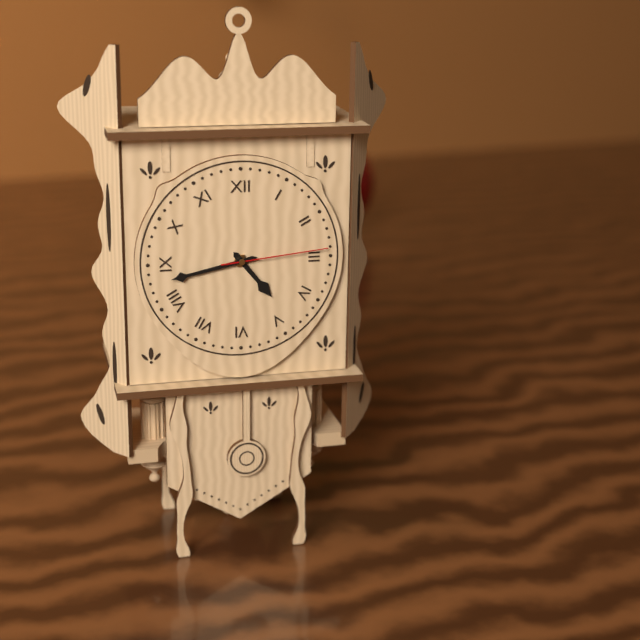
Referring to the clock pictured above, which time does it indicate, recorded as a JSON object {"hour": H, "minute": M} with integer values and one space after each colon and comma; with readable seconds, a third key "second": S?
{"hour": 4, "minute": 43, "second": 14}
